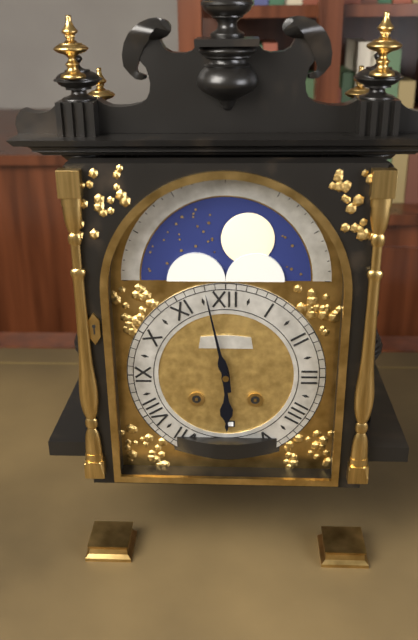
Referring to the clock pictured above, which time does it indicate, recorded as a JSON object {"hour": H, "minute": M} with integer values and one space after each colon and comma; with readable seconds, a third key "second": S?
{"hour": 5, "minute": 58}
